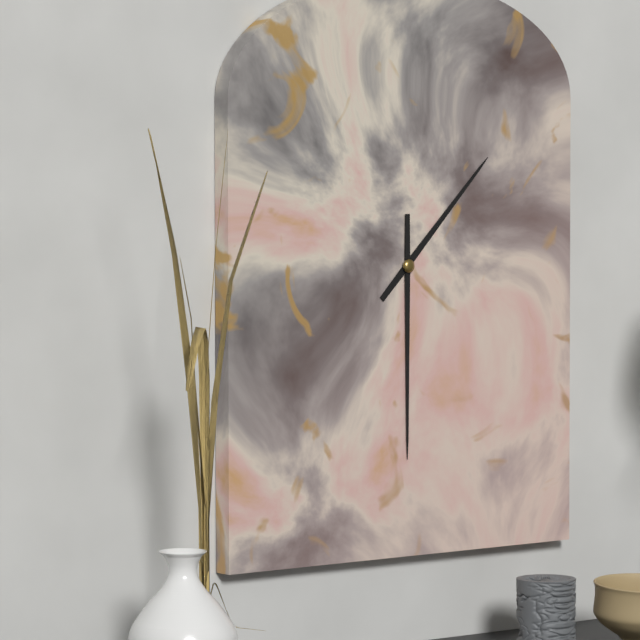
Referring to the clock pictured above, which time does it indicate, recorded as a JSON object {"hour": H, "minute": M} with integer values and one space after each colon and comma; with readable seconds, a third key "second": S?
{"hour": 1, "minute": 30}
